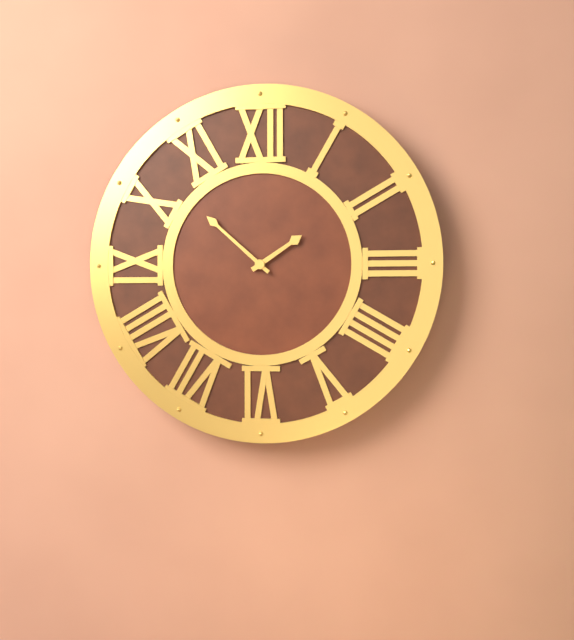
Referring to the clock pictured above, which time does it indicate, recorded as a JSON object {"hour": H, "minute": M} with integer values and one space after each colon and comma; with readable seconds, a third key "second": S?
{"hour": 1, "minute": 52}
